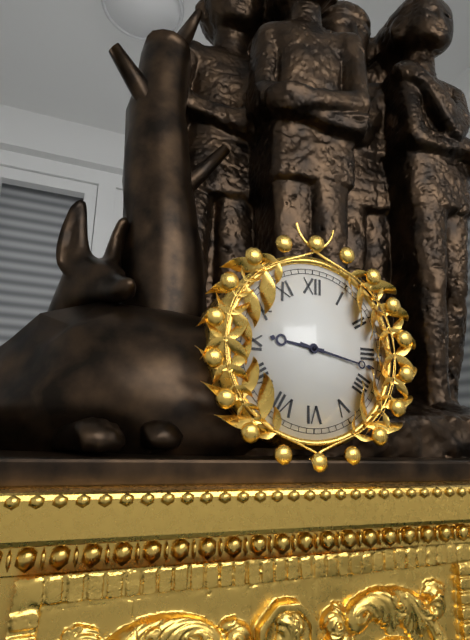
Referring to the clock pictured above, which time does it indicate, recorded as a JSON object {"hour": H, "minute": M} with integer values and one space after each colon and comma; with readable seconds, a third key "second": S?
{"hour": 9, "minute": 17}
